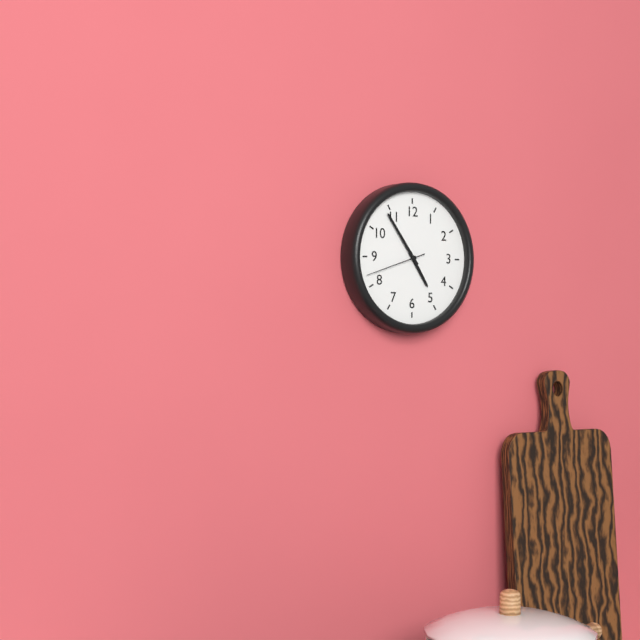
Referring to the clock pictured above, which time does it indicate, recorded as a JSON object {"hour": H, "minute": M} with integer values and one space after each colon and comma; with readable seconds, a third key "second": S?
{"hour": 4, "minute": 54, "second": 42}
